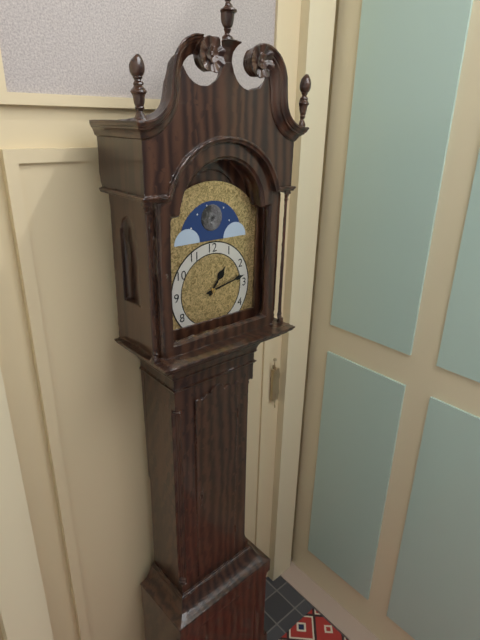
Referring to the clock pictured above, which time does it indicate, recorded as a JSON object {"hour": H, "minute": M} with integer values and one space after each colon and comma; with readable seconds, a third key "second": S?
{"hour": 1, "minute": 13}
